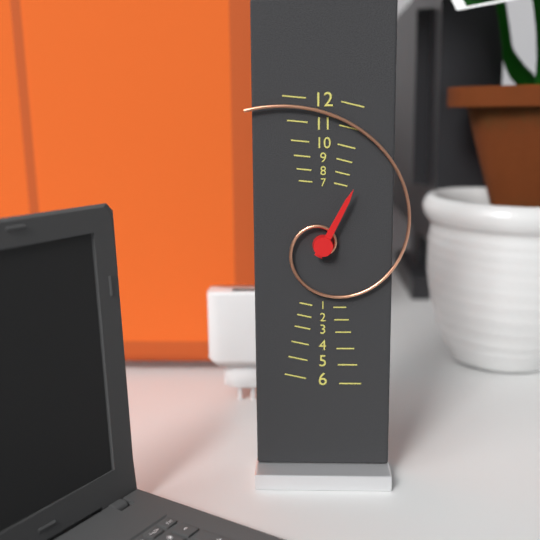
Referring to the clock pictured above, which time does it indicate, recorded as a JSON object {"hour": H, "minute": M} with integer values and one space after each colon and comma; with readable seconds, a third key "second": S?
{"hour": 12, "minute": 55}
